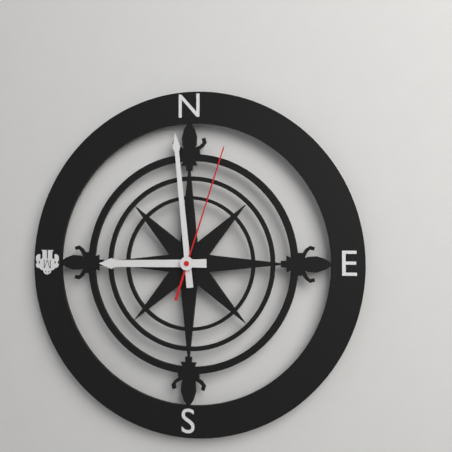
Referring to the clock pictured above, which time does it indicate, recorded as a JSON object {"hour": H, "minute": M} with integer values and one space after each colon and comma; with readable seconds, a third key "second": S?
{"hour": 8, "minute": 59, "second": 3}
